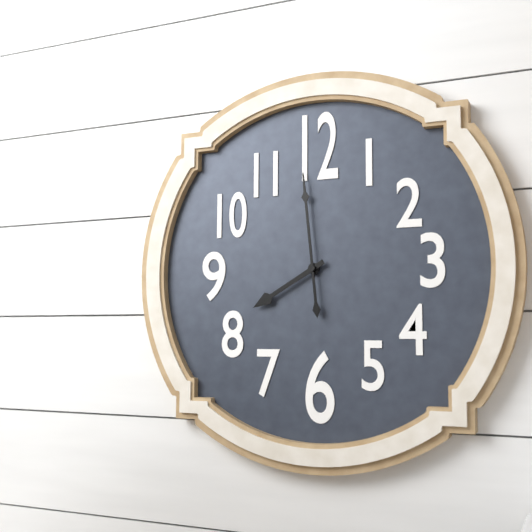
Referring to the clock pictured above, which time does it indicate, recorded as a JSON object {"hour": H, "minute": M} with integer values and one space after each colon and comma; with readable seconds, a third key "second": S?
{"hour": 7, "minute": 59}
